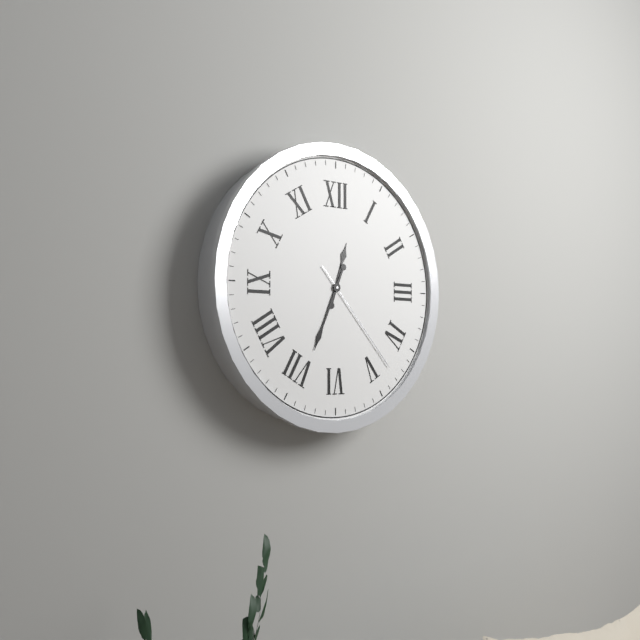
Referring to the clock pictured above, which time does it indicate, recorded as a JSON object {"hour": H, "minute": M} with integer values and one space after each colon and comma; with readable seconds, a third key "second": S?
{"hour": 12, "minute": 34, "second": 23}
